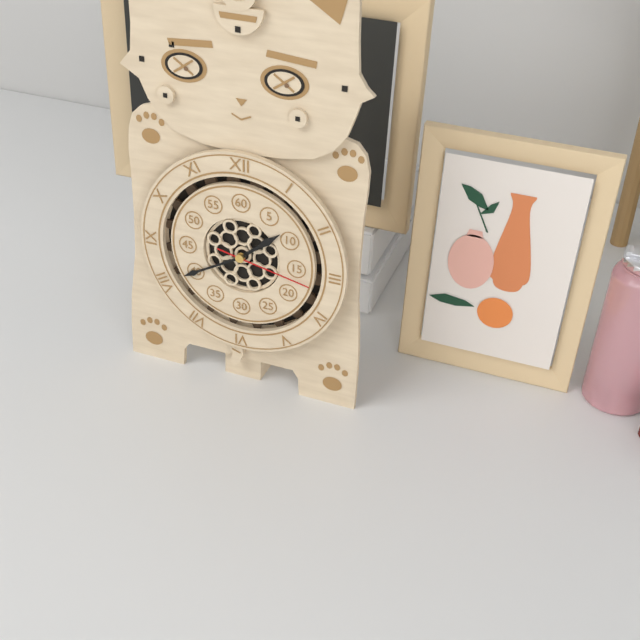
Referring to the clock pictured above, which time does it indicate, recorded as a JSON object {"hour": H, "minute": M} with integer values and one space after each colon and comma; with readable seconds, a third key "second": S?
{"hour": 1, "minute": 40, "second": 17}
